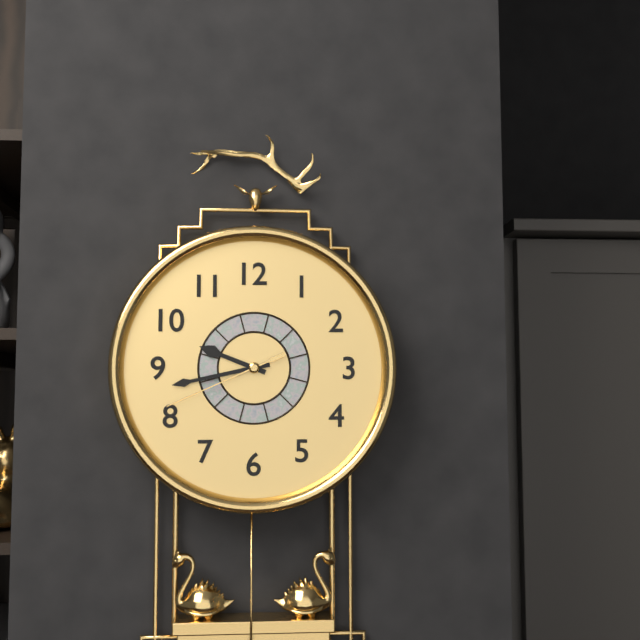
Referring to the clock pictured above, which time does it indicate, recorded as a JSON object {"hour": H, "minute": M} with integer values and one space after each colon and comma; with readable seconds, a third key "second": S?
{"hour": 9, "minute": 43, "second": 41}
